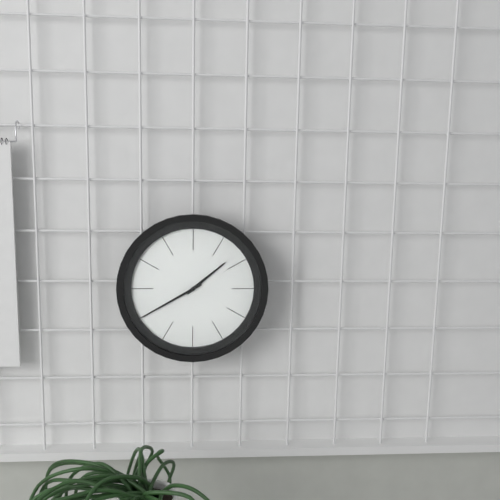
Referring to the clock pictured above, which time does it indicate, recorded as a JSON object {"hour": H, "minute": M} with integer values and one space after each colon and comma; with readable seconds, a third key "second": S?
{"hour": 1, "minute": 40}
